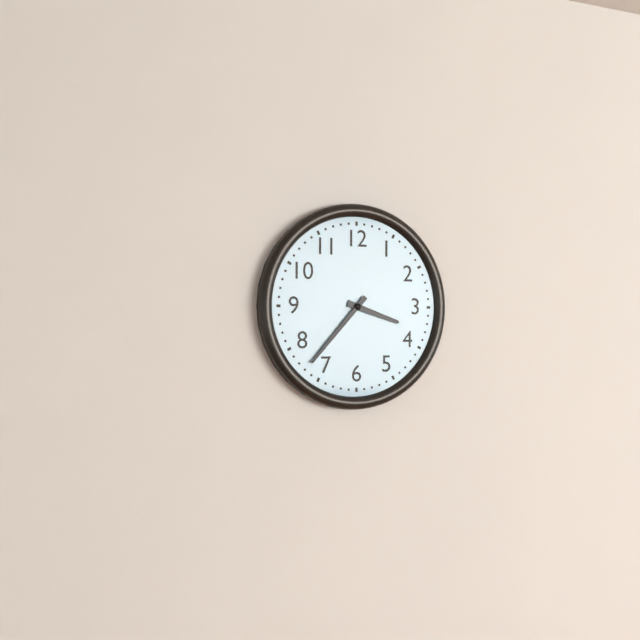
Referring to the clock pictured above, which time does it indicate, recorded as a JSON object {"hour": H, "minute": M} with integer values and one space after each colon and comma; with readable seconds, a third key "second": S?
{"hour": 3, "minute": 37}
